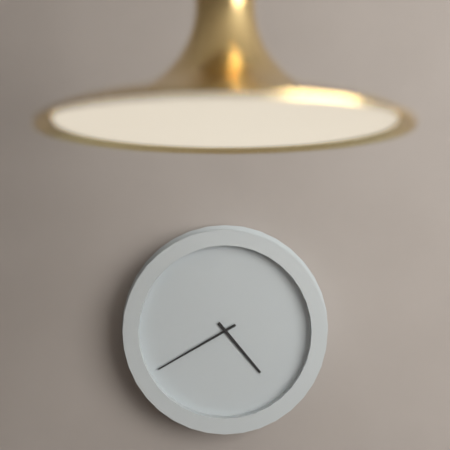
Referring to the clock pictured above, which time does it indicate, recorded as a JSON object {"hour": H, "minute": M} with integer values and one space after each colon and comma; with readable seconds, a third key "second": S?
{"hour": 4, "minute": 40}
